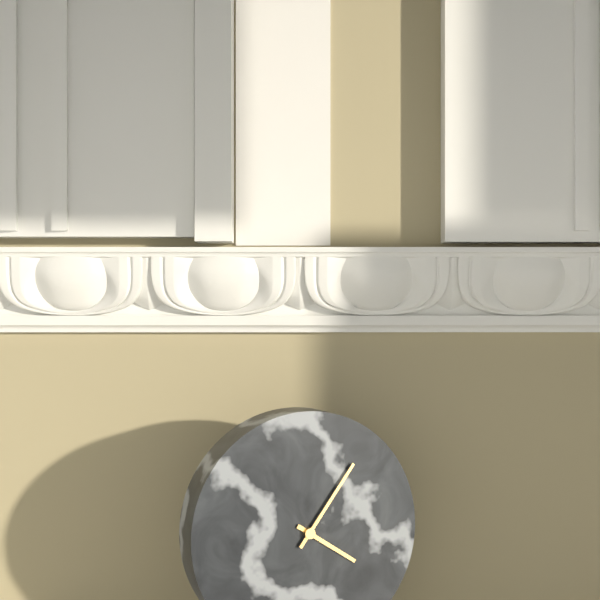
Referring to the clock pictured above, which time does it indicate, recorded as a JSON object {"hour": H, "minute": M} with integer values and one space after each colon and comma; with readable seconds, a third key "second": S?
{"hour": 4, "minute": 6}
